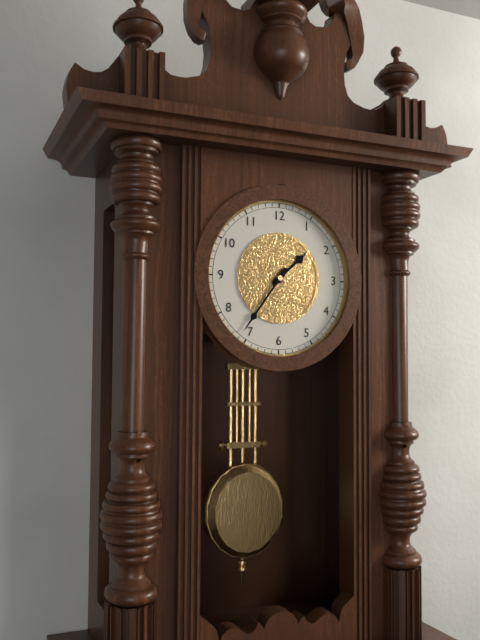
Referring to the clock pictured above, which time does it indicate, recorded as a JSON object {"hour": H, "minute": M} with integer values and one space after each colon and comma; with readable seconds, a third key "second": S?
{"hour": 1, "minute": 36}
